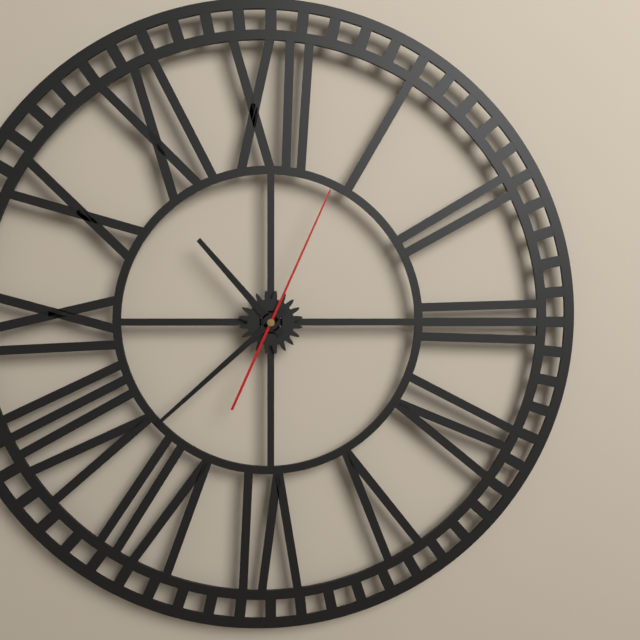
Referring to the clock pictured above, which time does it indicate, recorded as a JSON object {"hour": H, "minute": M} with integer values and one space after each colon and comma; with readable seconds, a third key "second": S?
{"hour": 10, "minute": 38, "second": 4}
